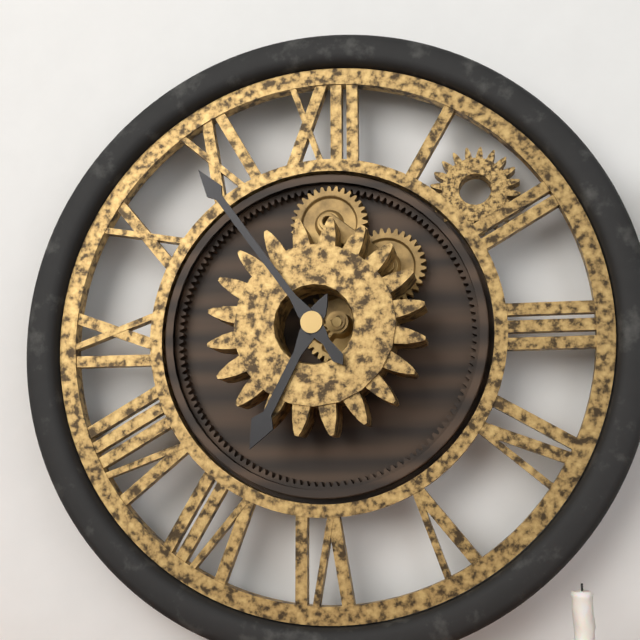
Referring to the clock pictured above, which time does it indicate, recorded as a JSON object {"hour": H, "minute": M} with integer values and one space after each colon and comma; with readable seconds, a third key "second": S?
{"hour": 6, "minute": 54}
